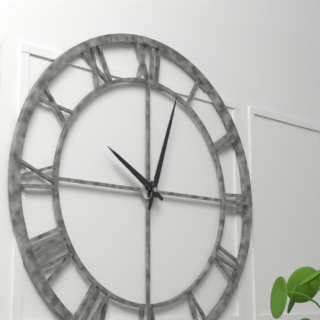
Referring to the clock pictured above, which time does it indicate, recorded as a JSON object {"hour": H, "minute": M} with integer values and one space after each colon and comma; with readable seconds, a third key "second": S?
{"hour": 10, "minute": 3}
